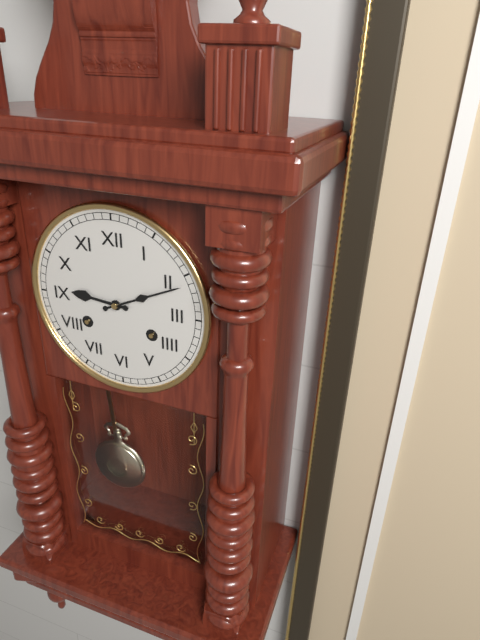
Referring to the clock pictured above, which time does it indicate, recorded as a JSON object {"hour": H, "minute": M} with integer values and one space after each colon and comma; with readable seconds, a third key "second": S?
{"hour": 9, "minute": 11}
